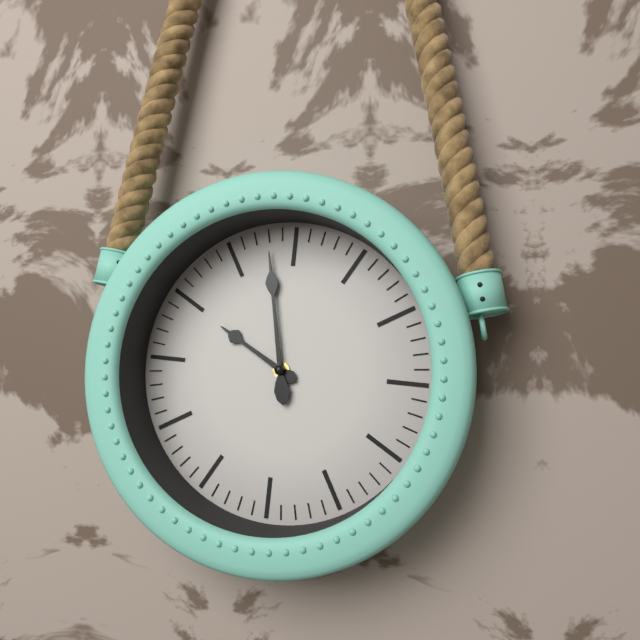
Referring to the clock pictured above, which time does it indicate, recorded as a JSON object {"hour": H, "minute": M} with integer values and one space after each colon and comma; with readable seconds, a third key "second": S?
{"hour": 9, "minute": 58}
